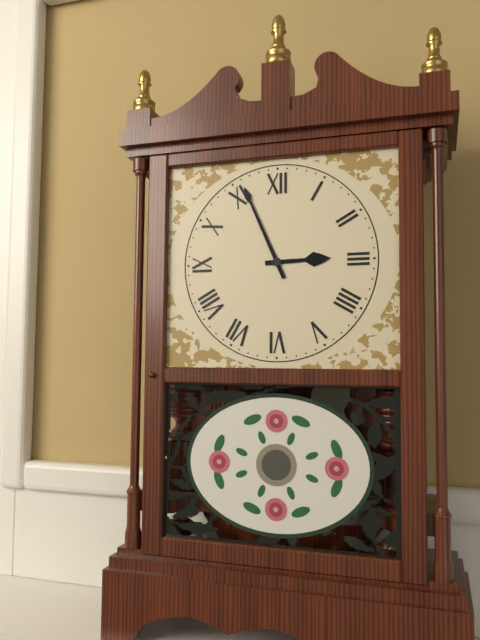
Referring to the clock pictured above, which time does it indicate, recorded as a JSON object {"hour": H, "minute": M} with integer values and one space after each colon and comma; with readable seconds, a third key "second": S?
{"hour": 2, "minute": 56}
